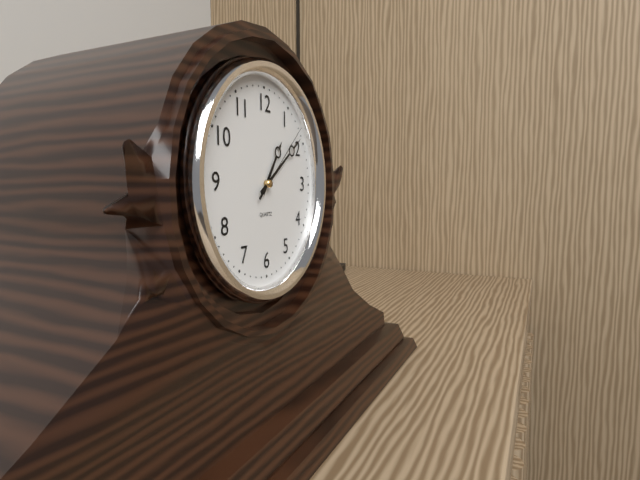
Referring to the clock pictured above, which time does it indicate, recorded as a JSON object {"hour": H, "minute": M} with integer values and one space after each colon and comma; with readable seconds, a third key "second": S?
{"hour": 1, "minute": 9, "second": 8}
